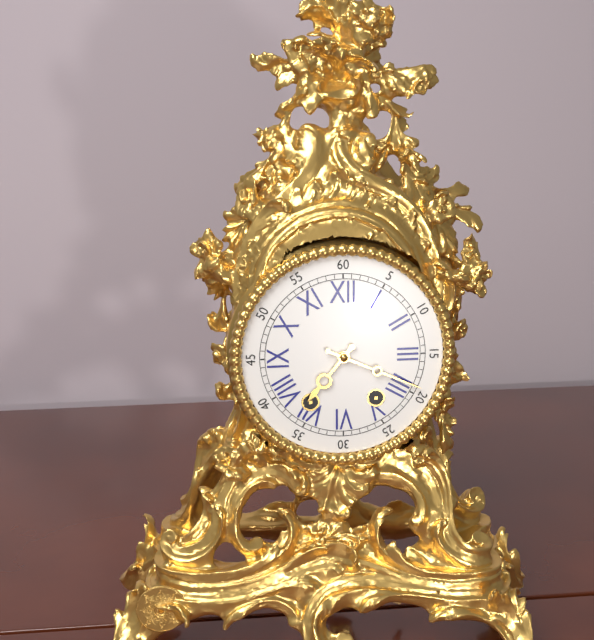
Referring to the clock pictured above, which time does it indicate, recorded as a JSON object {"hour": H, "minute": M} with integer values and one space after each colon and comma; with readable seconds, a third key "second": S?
{"hour": 7, "minute": 19}
